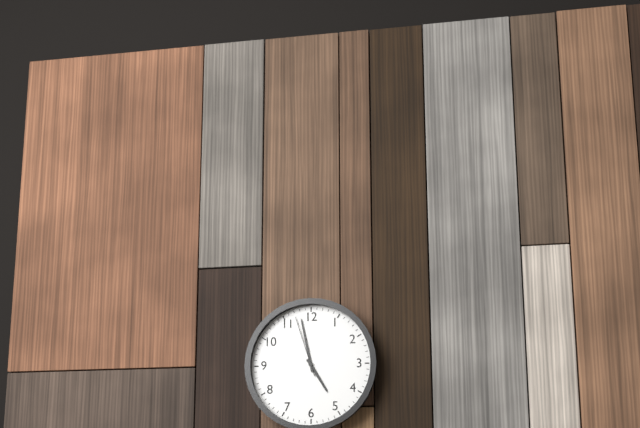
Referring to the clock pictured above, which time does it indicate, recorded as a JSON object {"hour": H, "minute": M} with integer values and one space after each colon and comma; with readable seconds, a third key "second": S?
{"hour": 4, "minute": 58, "second": 57}
